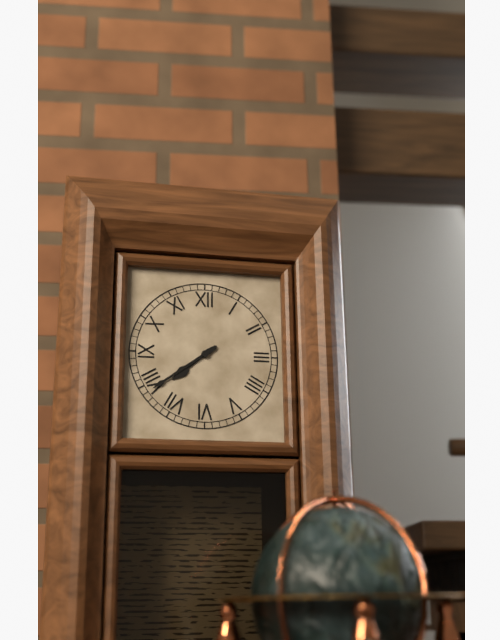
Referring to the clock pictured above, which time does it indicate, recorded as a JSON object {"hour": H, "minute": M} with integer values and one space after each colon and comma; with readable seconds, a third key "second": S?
{"hour": 7, "minute": 39}
